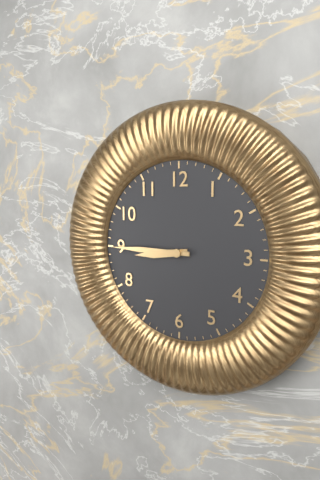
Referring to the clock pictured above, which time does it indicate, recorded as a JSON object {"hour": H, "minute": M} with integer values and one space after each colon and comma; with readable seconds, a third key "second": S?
{"hour": 8, "minute": 45}
